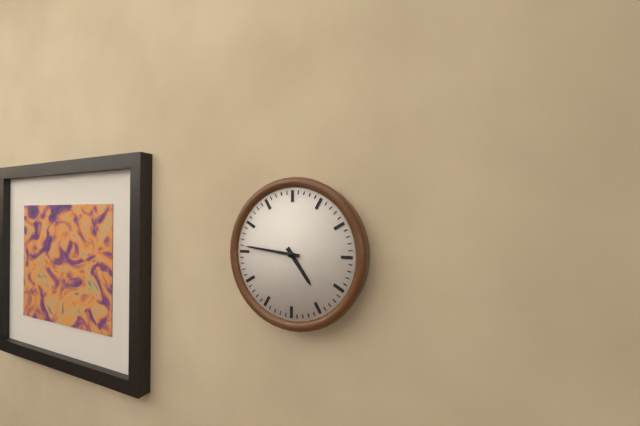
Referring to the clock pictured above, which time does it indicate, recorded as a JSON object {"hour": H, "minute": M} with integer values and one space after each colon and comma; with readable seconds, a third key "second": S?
{"hour": 4, "minute": 46}
